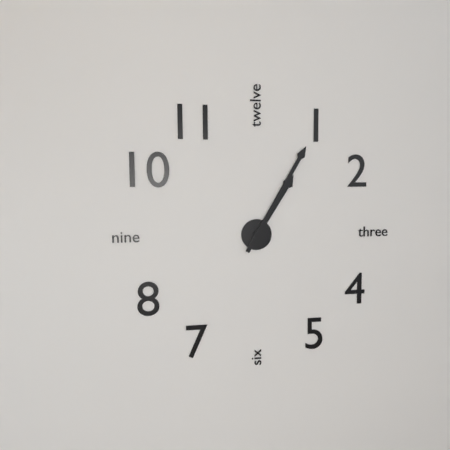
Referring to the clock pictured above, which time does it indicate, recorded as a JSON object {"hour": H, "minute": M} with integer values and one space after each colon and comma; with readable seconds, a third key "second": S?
{"hour": 1, "minute": 5}
